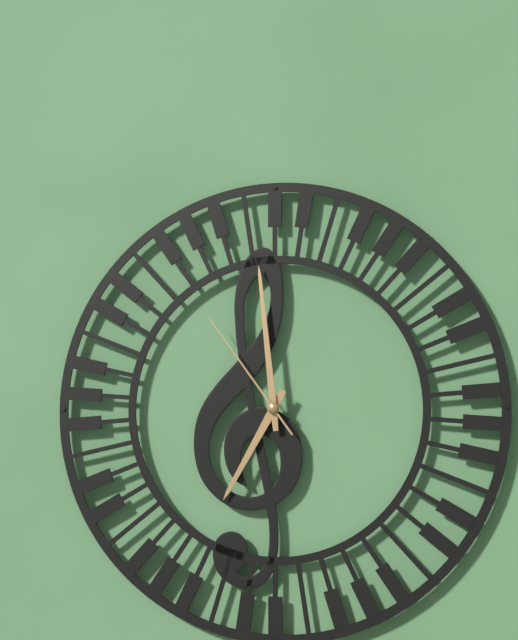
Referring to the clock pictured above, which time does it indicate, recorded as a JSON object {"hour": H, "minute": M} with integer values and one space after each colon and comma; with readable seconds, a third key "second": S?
{"hour": 6, "minute": 59, "second": 54}
